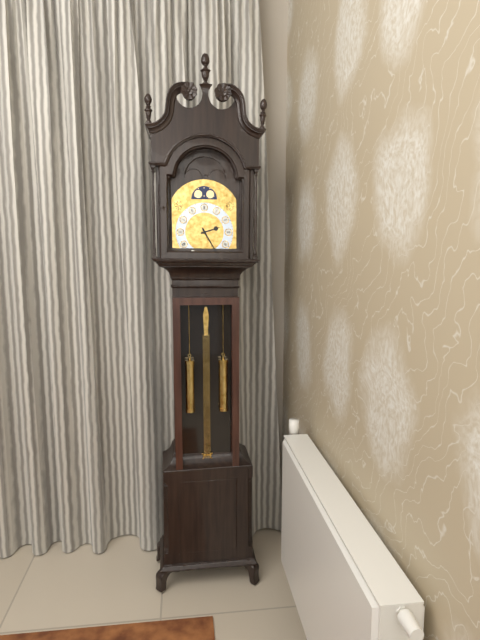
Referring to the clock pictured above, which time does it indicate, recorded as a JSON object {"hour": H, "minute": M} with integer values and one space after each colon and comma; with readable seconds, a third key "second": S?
{"hour": 2, "minute": 25}
